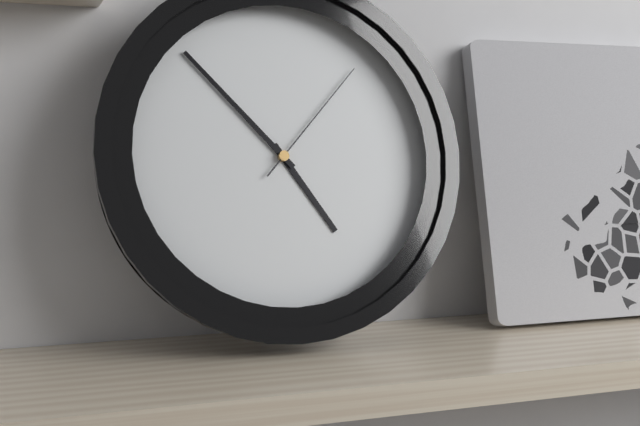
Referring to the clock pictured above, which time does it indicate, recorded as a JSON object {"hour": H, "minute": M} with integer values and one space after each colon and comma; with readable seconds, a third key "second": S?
{"hour": 4, "minute": 53, "second": 7}
